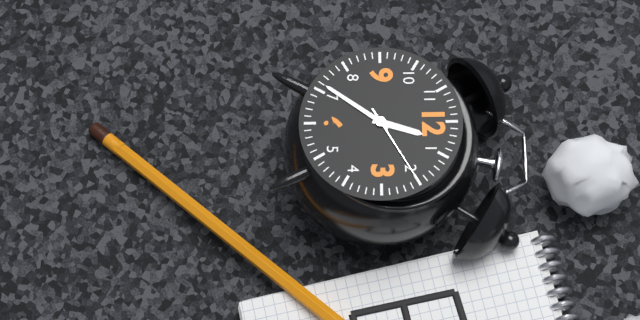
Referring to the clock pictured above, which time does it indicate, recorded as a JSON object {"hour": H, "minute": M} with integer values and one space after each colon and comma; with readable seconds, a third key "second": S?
{"hour": 12, "minute": 36, "second": 10}
